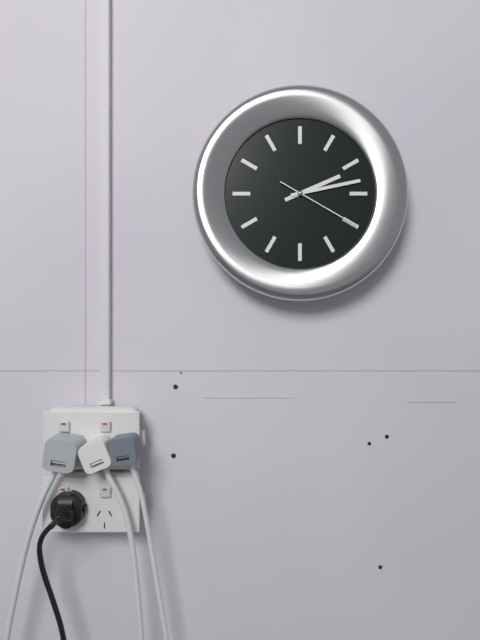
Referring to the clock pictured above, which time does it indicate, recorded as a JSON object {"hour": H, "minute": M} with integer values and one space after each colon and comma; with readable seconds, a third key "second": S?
{"hour": 2, "minute": 13, "second": 20}
